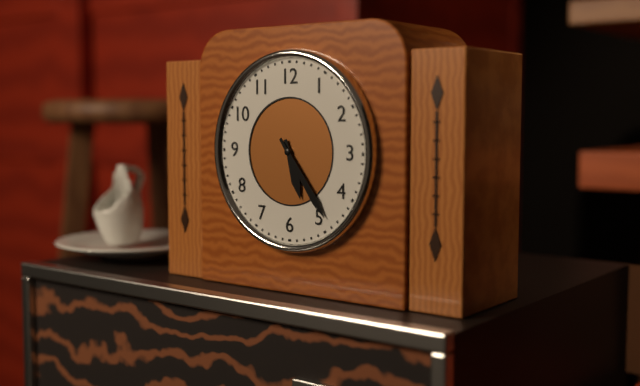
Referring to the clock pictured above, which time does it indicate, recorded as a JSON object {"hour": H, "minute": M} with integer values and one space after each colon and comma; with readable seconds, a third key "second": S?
{"hour": 5, "minute": 24}
